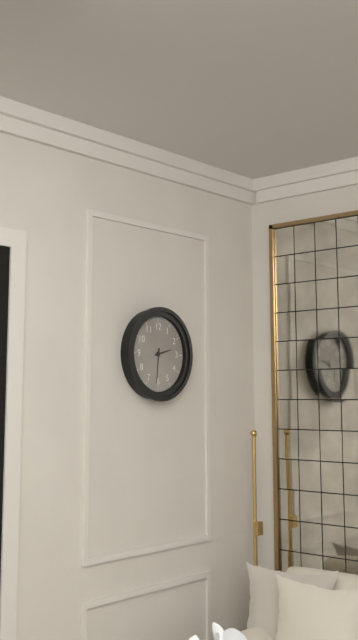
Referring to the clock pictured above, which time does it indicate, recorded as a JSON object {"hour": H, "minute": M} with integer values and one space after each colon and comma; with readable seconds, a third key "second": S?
{"hour": 2, "minute": 31}
